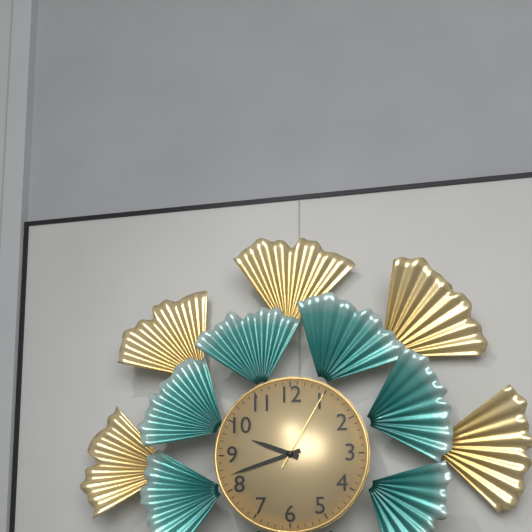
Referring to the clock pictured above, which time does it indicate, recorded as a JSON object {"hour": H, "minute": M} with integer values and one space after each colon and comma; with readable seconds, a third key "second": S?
{"hour": 9, "minute": 42, "second": 5}
